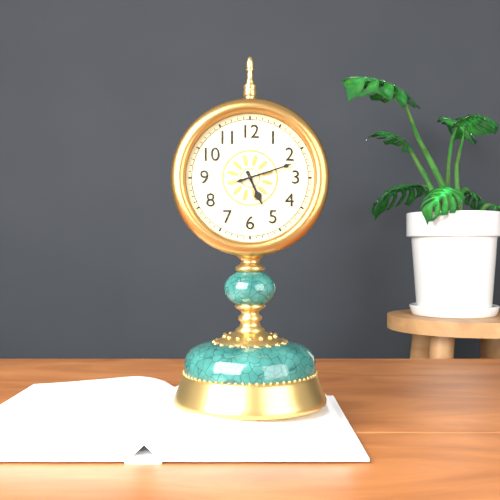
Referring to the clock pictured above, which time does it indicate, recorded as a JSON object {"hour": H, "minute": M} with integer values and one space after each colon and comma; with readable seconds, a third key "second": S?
{"hour": 5, "minute": 12}
